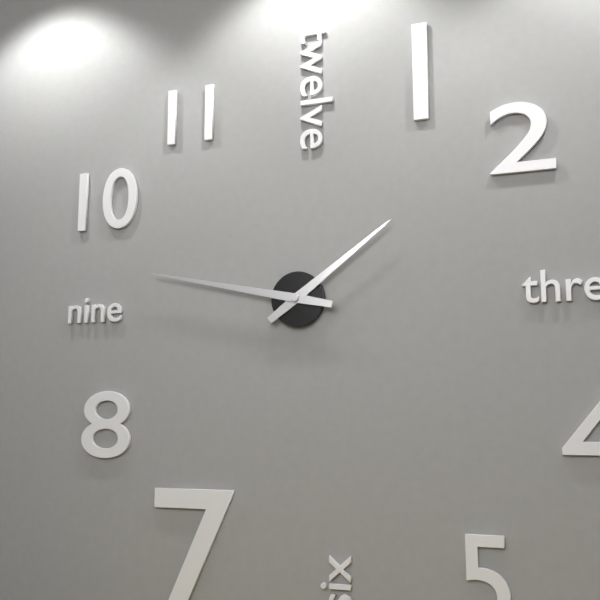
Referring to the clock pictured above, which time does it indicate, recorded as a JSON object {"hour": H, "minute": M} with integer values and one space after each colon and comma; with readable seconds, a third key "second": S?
{"hour": 1, "minute": 47}
